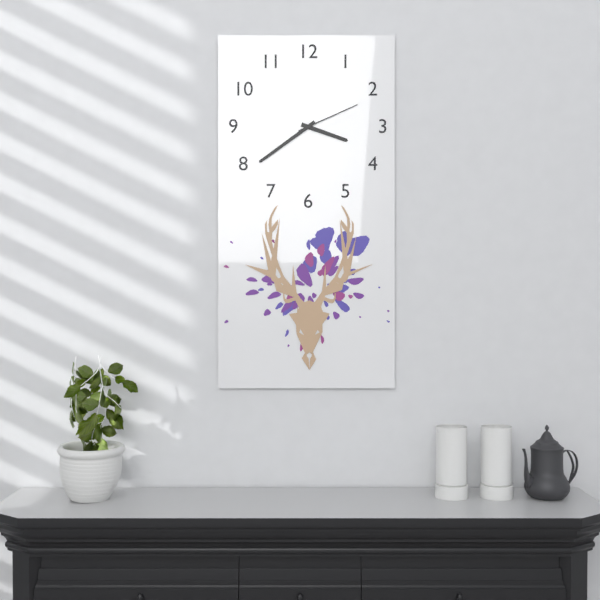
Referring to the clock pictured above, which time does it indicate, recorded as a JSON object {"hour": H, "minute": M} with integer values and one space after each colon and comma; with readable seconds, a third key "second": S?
{"hour": 3, "minute": 39, "second": 11}
